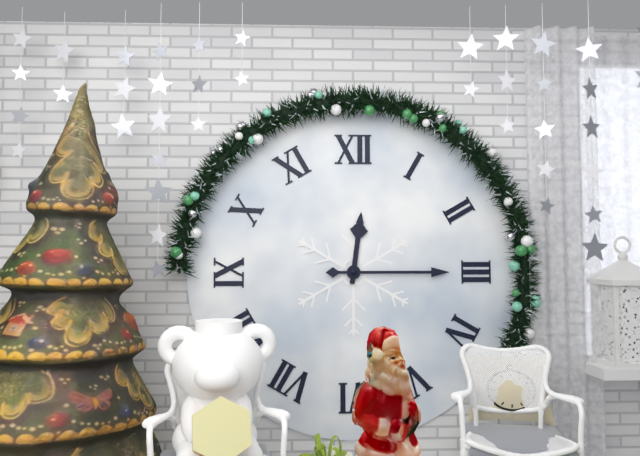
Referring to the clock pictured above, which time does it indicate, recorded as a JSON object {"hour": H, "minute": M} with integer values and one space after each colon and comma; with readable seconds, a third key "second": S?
{"hour": 12, "minute": 15}
